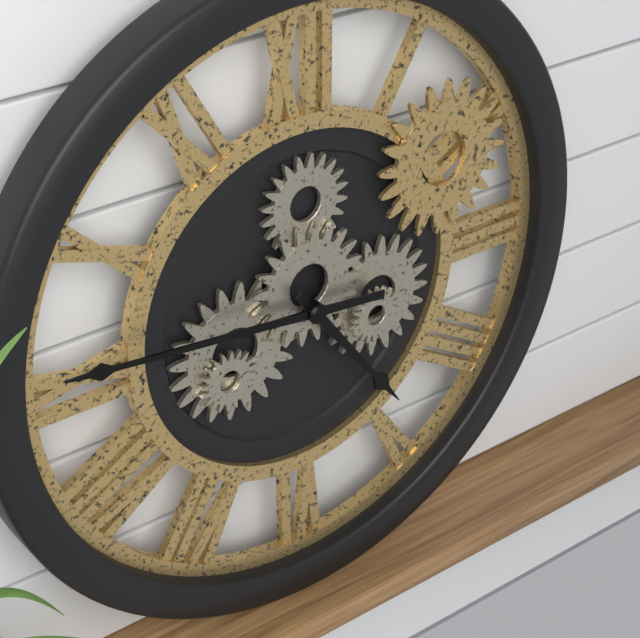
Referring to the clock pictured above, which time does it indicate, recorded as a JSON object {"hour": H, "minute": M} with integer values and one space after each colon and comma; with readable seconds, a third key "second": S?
{"hour": 4, "minute": 46}
